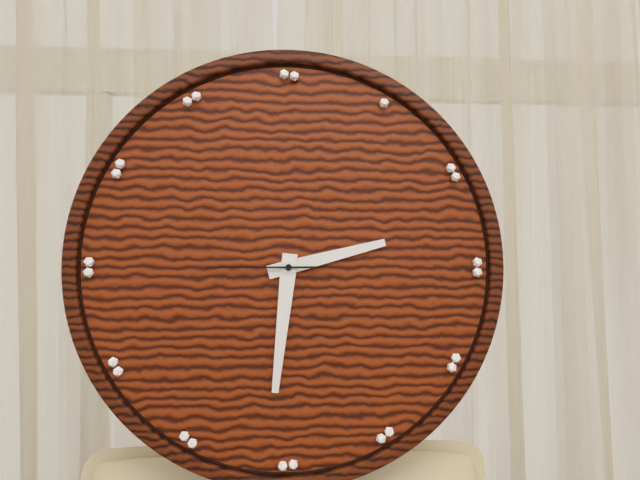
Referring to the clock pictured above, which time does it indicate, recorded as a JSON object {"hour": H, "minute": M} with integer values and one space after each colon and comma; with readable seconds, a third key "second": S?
{"hour": 2, "minute": 31, "second": 45}
